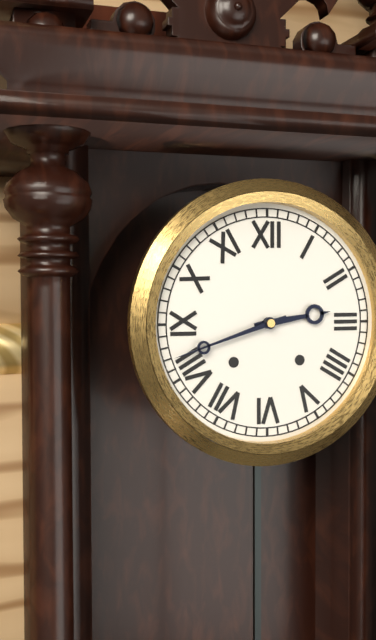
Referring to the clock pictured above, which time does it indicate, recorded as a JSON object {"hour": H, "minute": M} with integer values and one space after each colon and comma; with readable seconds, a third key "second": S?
{"hour": 2, "minute": 42}
